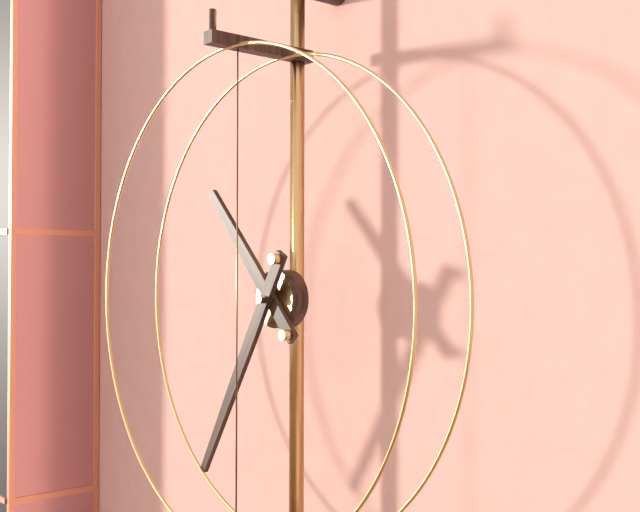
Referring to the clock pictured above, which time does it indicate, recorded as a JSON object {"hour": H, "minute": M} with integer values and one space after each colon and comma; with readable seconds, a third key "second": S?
{"hour": 10, "minute": 35}
